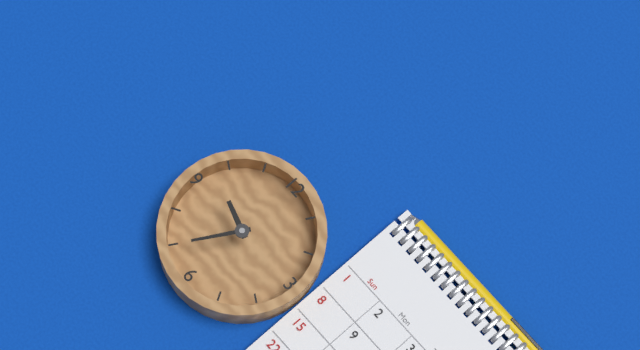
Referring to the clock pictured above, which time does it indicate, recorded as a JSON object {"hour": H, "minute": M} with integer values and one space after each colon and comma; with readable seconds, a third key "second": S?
{"hour": 9, "minute": 35}
